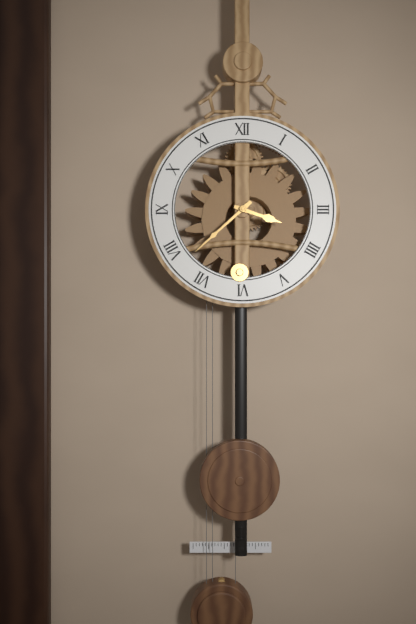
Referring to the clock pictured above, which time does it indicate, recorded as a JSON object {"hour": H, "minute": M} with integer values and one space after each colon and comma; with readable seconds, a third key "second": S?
{"hour": 3, "minute": 38}
